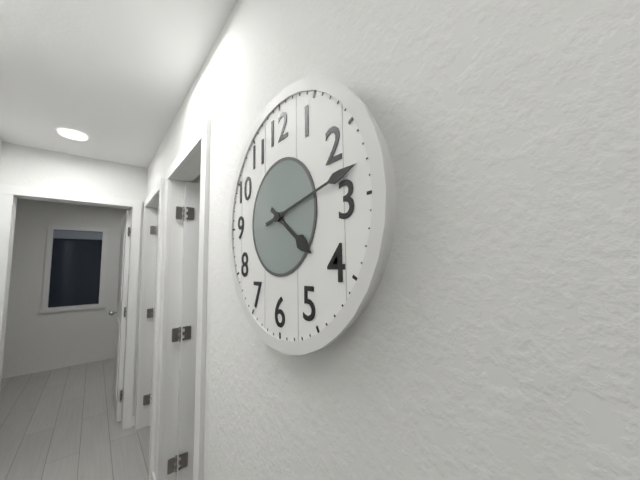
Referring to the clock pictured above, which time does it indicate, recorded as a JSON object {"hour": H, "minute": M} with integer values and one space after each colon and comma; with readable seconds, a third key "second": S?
{"hour": 4, "minute": 13}
